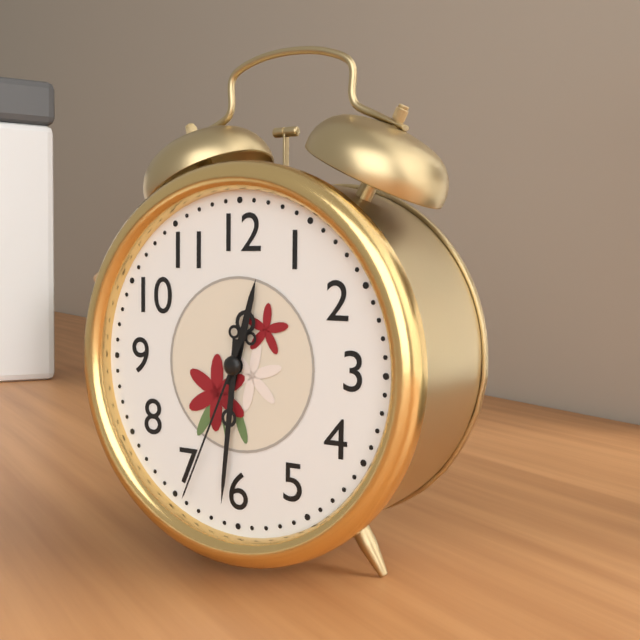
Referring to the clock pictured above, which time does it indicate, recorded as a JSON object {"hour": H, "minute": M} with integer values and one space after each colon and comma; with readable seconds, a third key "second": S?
{"hour": 12, "minute": 31, "second": 34}
